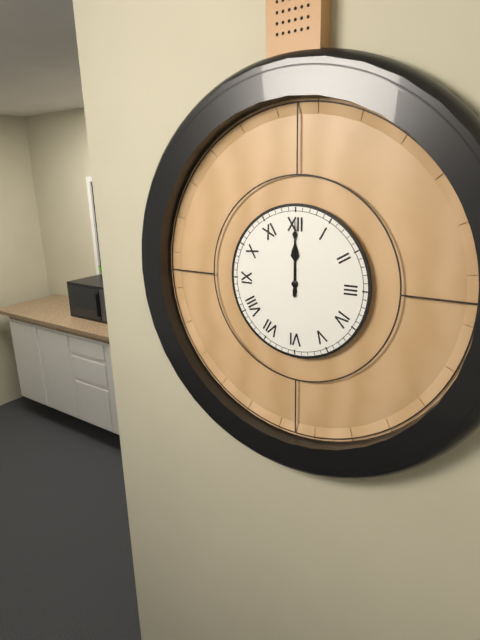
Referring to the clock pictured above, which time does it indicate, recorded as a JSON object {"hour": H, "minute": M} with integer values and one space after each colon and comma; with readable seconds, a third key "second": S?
{"hour": 12, "minute": 0}
